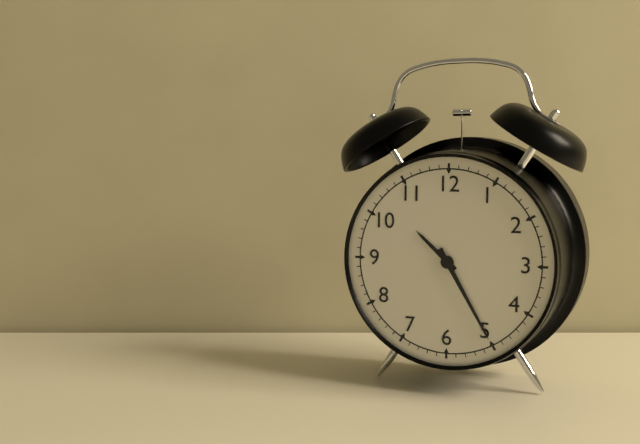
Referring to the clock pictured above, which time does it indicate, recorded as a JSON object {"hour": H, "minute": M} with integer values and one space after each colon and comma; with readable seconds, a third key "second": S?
{"hour": 10, "minute": 25}
